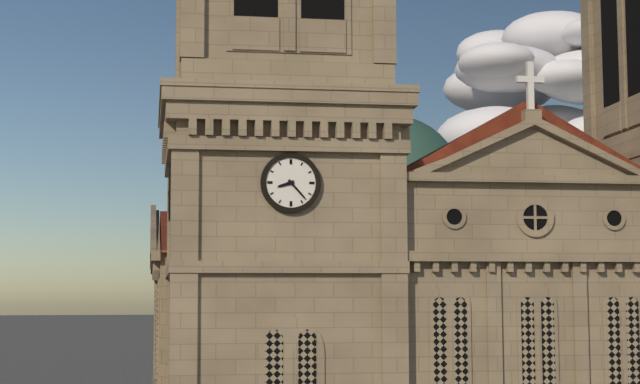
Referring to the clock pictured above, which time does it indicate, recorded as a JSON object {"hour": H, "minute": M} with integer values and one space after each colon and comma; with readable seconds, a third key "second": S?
{"hour": 8, "minute": 23}
